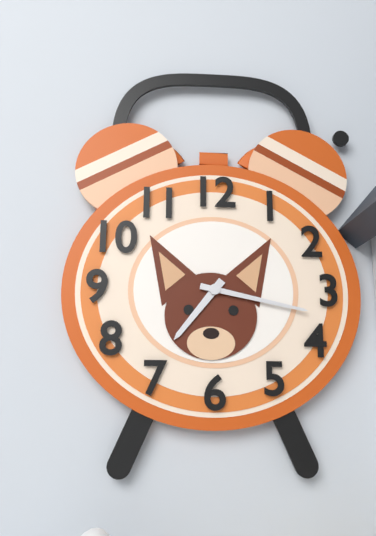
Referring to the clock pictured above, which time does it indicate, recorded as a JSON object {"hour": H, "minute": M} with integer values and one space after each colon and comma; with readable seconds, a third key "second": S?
{"hour": 7, "minute": 17}
